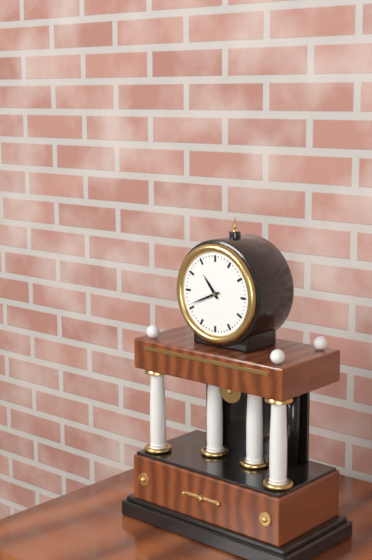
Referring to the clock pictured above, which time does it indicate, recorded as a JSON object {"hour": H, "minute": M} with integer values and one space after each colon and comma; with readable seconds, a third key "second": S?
{"hour": 10, "minute": 41}
